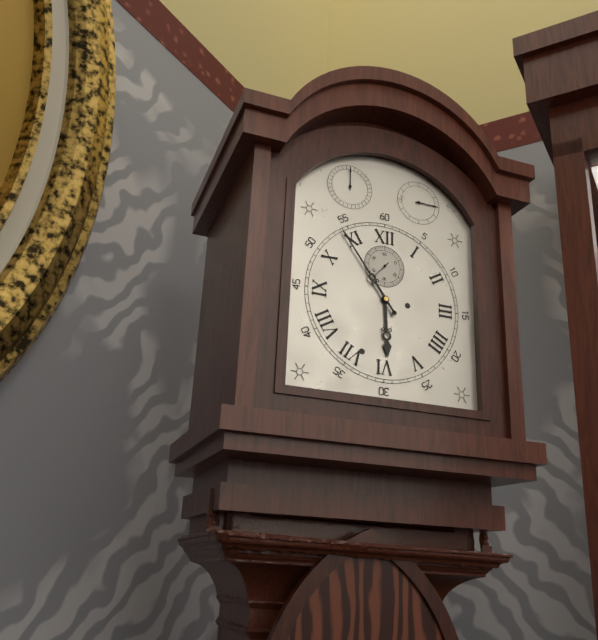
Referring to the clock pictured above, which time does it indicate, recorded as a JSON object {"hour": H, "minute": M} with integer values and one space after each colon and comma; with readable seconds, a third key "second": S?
{"hour": 5, "minute": 54}
